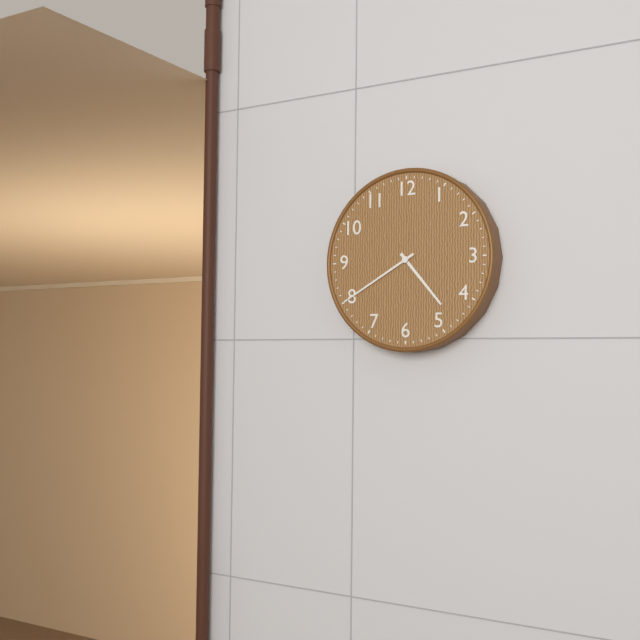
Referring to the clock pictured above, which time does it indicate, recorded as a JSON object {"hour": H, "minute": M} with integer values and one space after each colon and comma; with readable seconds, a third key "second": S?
{"hour": 4, "minute": 40}
